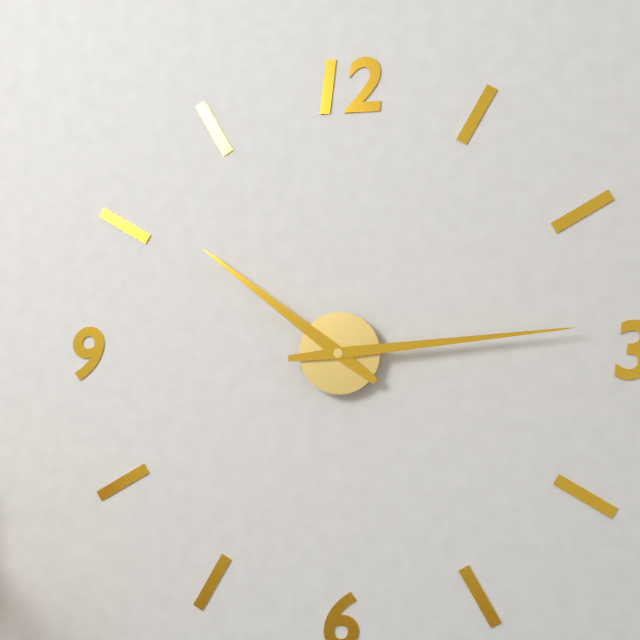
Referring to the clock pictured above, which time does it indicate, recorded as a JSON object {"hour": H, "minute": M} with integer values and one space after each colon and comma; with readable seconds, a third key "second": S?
{"hour": 10, "minute": 14}
